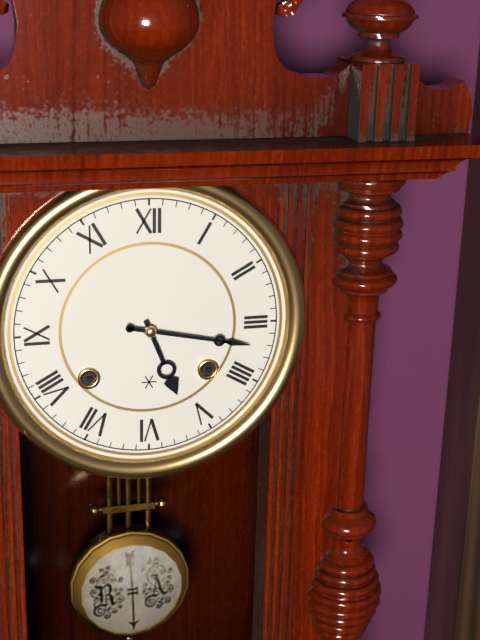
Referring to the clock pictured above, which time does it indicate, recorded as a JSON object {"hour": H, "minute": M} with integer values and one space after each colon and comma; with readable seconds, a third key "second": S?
{"hour": 5, "minute": 17}
